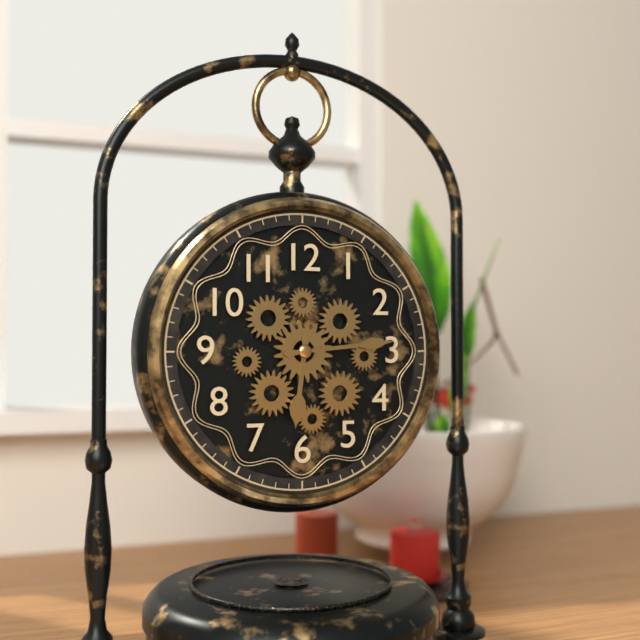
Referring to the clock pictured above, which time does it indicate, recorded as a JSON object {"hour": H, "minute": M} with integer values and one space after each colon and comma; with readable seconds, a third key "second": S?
{"hour": 6, "minute": 14}
